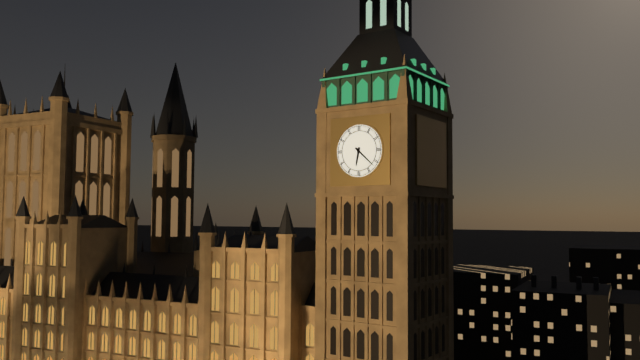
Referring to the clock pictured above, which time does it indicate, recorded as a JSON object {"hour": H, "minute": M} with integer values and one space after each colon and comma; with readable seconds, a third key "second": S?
{"hour": 6, "minute": 22}
